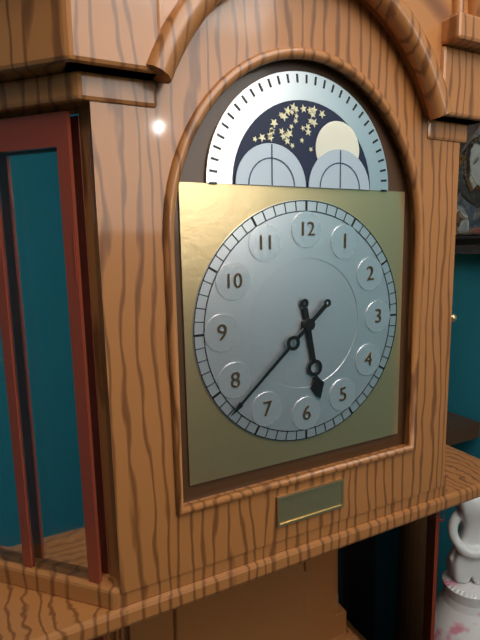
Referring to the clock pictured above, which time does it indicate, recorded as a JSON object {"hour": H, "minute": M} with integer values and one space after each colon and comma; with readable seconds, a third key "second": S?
{"hour": 5, "minute": 38}
